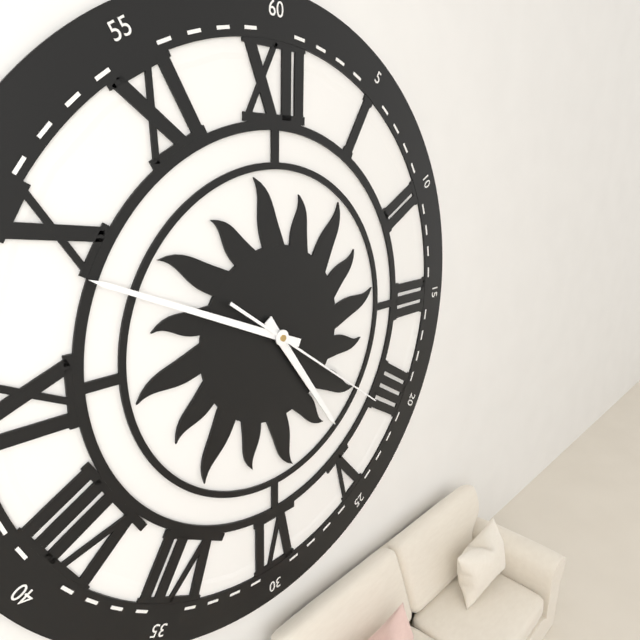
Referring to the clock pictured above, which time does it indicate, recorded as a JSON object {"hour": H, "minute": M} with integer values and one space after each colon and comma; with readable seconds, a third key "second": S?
{"hour": 4, "minute": 49, "second": 21}
